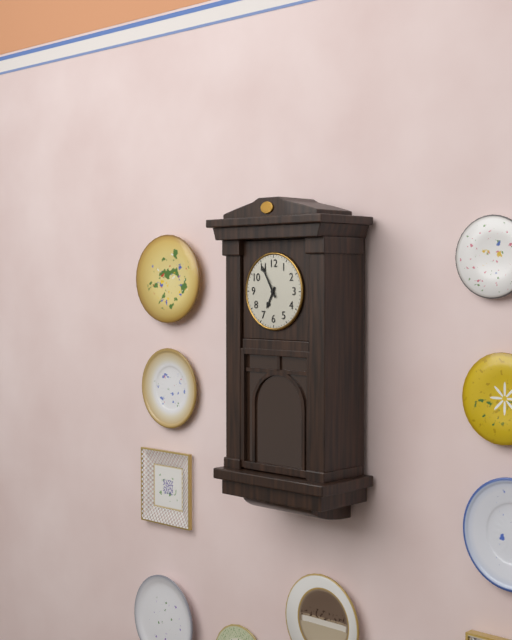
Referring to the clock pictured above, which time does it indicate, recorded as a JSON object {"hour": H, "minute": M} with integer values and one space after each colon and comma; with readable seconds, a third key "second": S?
{"hour": 6, "minute": 55}
